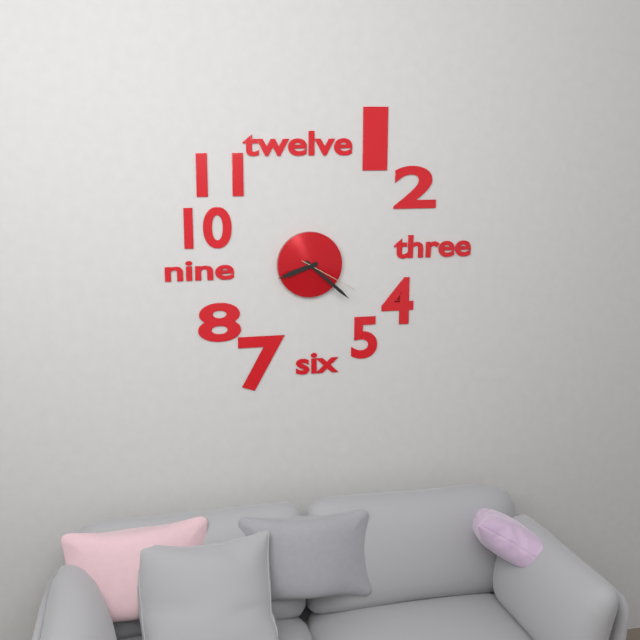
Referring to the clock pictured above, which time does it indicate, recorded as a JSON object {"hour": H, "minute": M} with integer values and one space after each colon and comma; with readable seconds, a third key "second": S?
{"hour": 8, "minute": 22, "second": 20}
